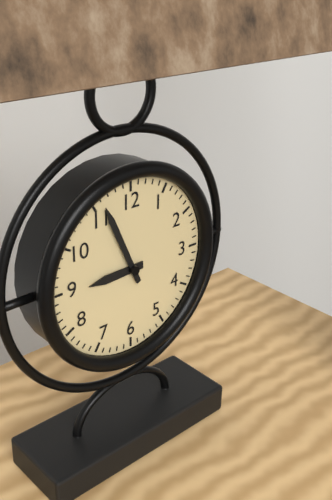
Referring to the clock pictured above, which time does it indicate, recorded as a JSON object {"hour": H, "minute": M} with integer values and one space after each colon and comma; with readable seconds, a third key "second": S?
{"hour": 8, "minute": 56}
